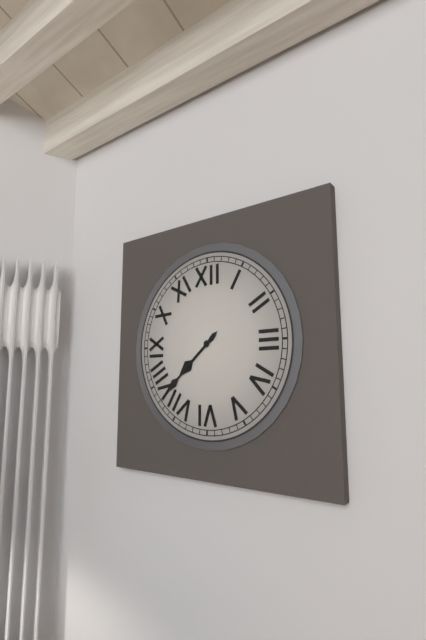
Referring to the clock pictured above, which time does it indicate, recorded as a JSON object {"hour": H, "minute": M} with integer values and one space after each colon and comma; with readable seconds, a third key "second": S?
{"hour": 7, "minute": 38}
